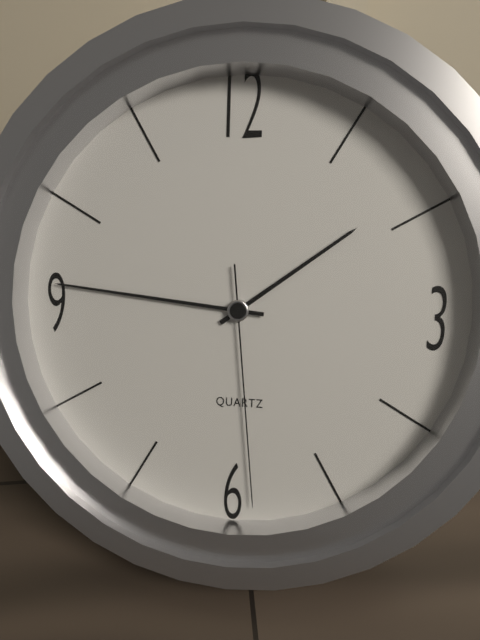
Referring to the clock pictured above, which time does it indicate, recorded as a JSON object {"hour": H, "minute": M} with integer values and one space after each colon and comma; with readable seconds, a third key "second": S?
{"hour": 1, "minute": 46, "second": 29}
